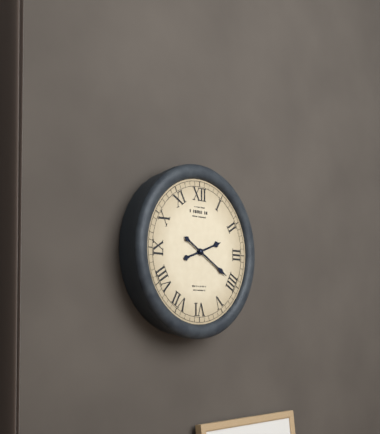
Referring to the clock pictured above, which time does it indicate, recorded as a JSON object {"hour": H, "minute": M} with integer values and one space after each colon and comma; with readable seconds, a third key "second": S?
{"hour": 2, "minute": 20}
